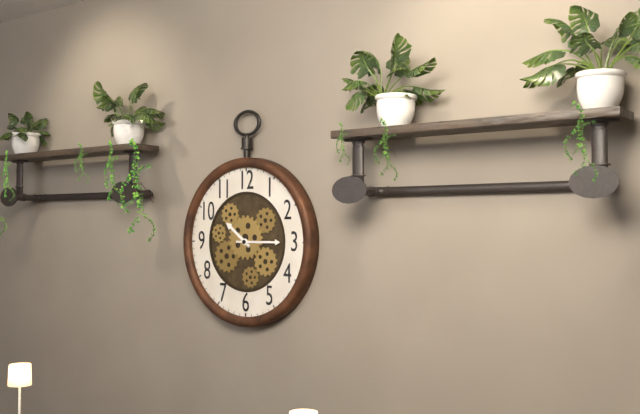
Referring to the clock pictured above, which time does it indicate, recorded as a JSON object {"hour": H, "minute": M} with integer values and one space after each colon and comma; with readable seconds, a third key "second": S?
{"hour": 10, "minute": 15}
